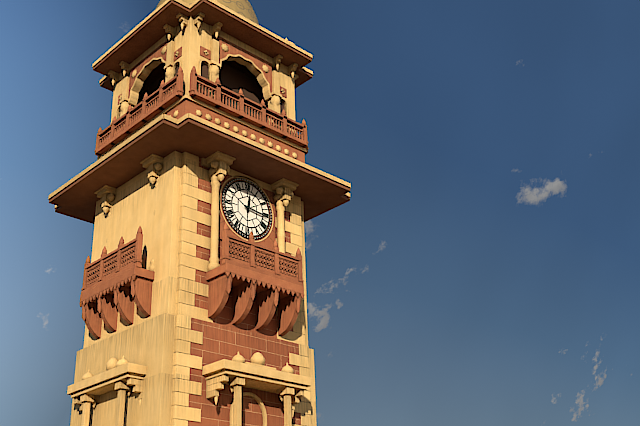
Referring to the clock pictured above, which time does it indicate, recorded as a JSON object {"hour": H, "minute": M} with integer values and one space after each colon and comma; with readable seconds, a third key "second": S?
{"hour": 12, "minute": 16}
